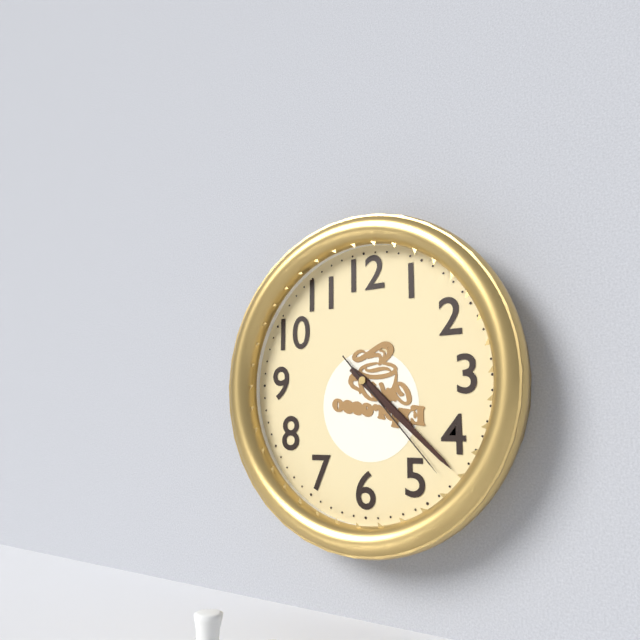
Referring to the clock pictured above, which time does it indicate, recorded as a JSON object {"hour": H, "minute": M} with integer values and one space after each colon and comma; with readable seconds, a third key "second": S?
{"hour": 4, "minute": 22, "second": 23}
